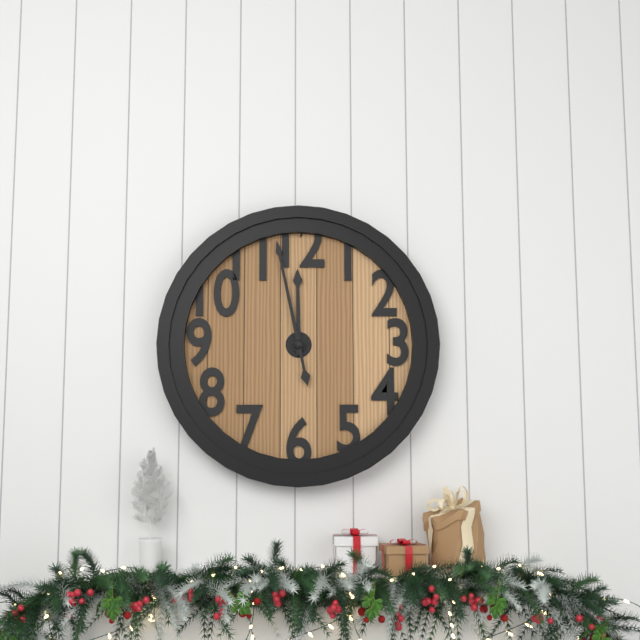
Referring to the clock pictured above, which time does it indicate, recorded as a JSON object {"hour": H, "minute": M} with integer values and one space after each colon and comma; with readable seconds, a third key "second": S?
{"hour": 11, "minute": 58}
